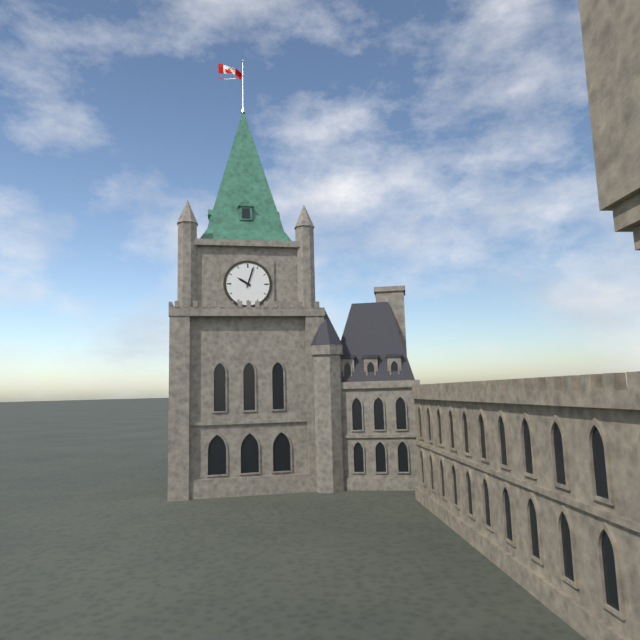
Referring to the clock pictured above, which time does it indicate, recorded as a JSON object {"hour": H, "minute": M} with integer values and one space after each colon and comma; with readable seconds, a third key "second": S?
{"hour": 10, "minute": 3}
